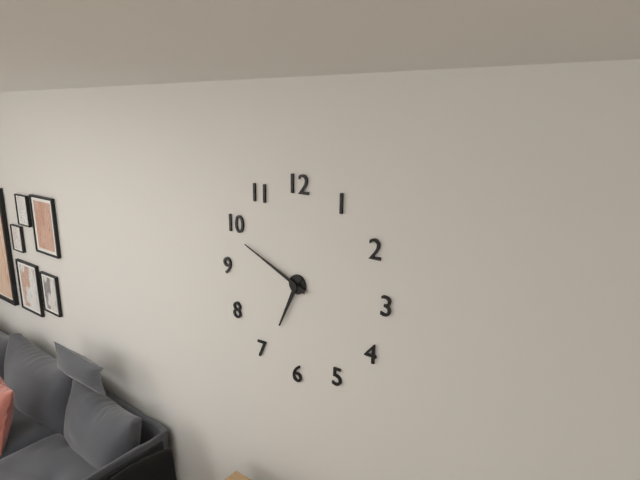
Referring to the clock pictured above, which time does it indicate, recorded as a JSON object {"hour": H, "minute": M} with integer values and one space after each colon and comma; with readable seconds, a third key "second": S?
{"hour": 6, "minute": 49}
